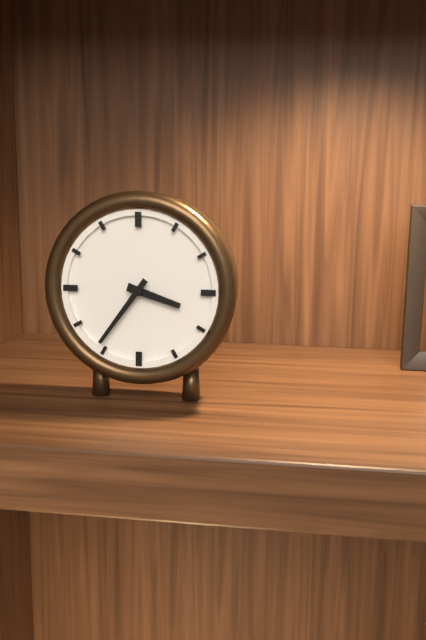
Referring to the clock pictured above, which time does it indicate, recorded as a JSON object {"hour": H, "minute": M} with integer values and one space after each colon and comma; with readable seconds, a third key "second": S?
{"hour": 3, "minute": 36}
